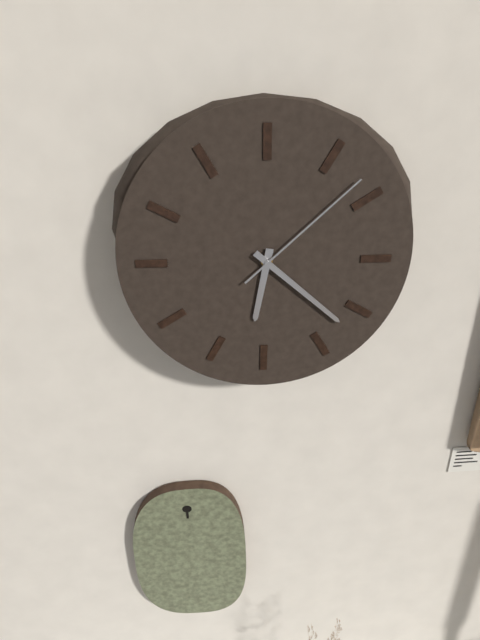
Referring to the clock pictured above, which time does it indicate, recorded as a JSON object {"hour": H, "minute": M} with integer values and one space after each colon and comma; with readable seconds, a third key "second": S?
{"hour": 6, "minute": 22, "second": 8}
